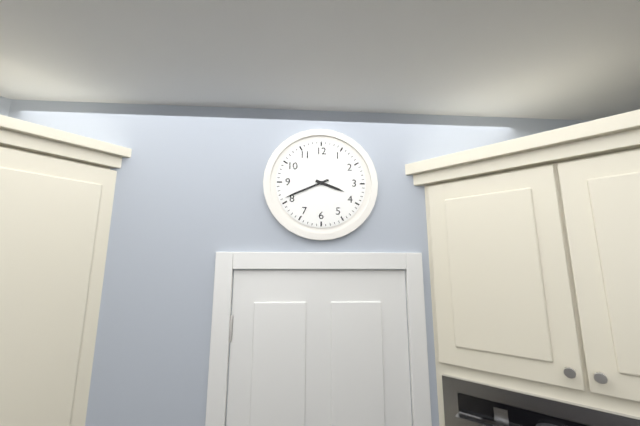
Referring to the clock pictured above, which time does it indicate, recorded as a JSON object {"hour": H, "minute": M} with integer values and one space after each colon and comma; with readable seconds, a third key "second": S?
{"hour": 3, "minute": 41}
